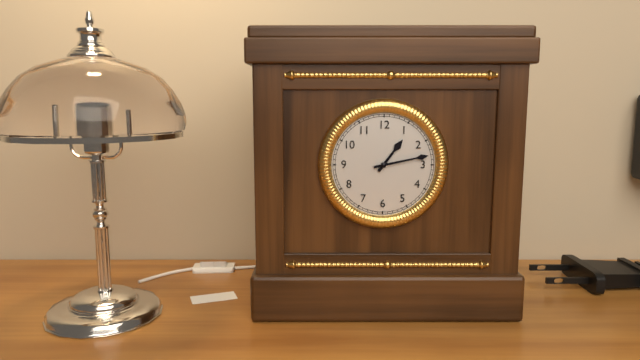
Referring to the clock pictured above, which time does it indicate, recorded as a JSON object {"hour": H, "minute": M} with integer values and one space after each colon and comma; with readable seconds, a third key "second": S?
{"hour": 1, "minute": 13}
